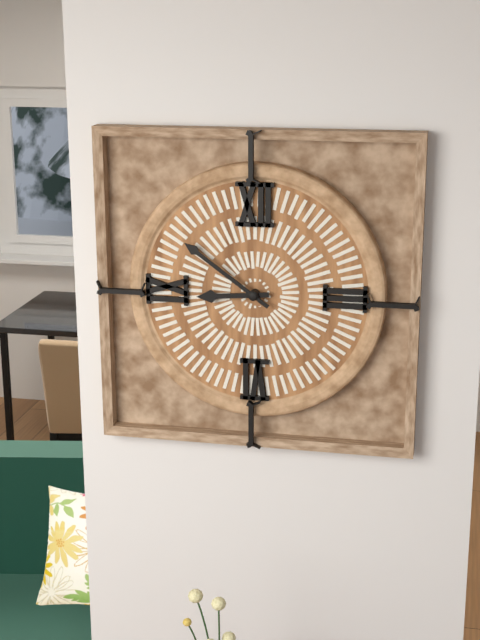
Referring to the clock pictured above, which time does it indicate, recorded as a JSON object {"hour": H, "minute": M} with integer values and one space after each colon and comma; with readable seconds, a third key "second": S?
{"hour": 8, "minute": 51}
